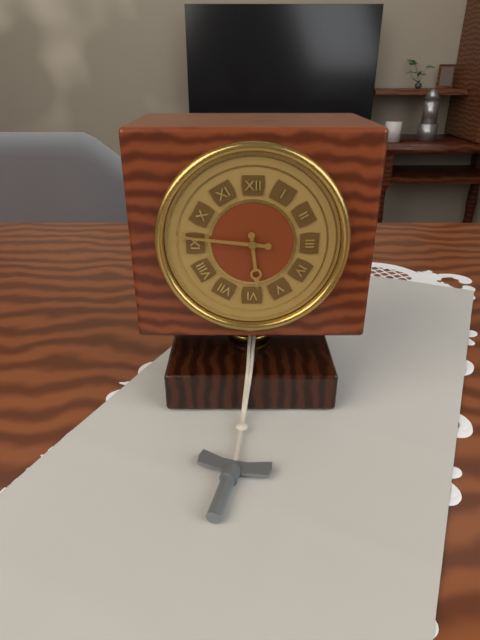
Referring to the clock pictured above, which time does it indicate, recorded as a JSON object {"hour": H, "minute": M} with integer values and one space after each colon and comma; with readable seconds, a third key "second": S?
{"hour": 5, "minute": 46}
